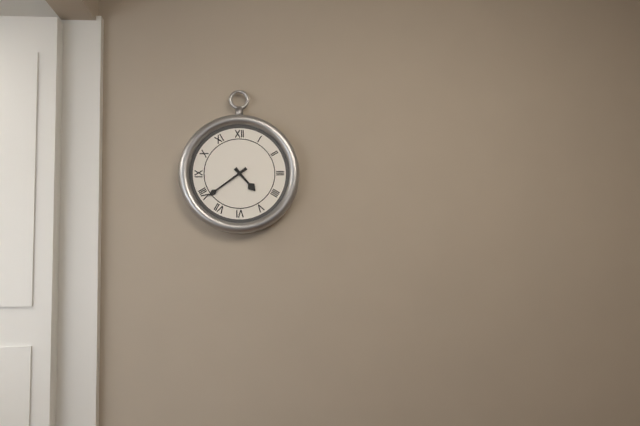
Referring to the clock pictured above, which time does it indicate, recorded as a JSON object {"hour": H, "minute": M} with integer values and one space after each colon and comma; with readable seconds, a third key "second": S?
{"hour": 4, "minute": 39}
